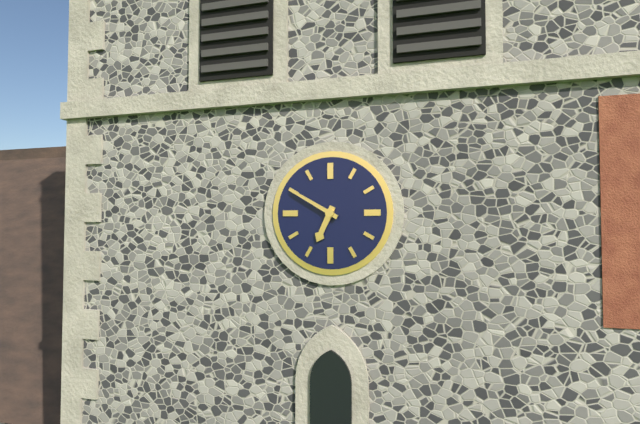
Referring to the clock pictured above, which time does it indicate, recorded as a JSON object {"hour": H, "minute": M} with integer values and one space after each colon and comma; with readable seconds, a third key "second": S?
{"hour": 6, "minute": 50}
